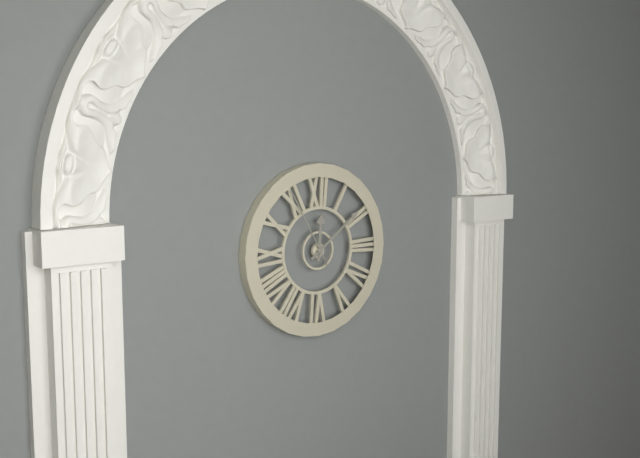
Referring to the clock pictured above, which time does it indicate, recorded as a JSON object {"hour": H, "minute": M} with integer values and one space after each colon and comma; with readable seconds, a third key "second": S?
{"hour": 12, "minute": 9, "second": 55}
